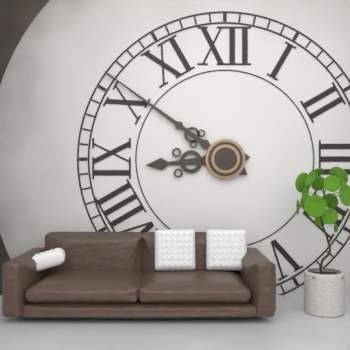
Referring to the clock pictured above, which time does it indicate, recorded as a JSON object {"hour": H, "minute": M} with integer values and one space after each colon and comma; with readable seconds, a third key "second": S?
{"hour": 8, "minute": 51}
